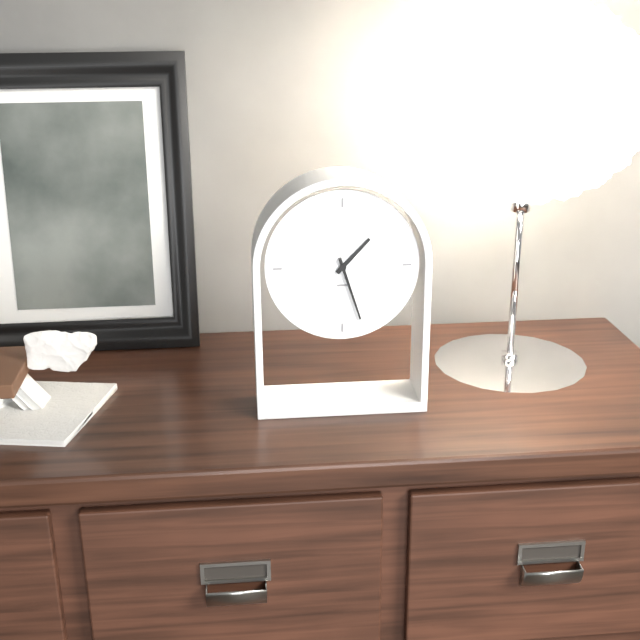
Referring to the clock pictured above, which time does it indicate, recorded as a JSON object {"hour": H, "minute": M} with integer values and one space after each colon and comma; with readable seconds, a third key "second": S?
{"hour": 1, "minute": 27}
